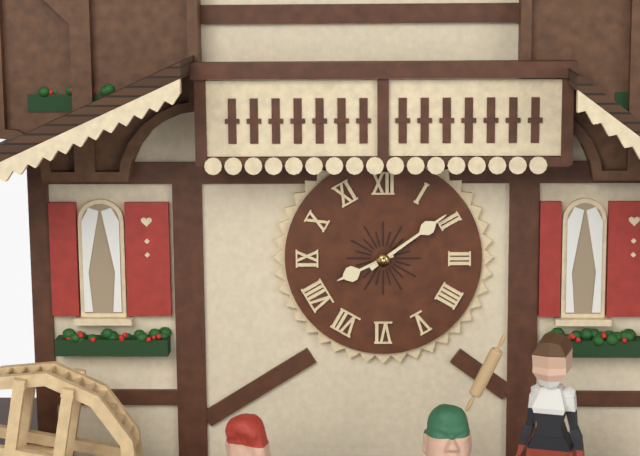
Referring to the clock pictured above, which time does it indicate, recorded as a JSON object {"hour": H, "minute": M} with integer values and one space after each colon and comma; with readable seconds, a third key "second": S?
{"hour": 8, "minute": 9}
